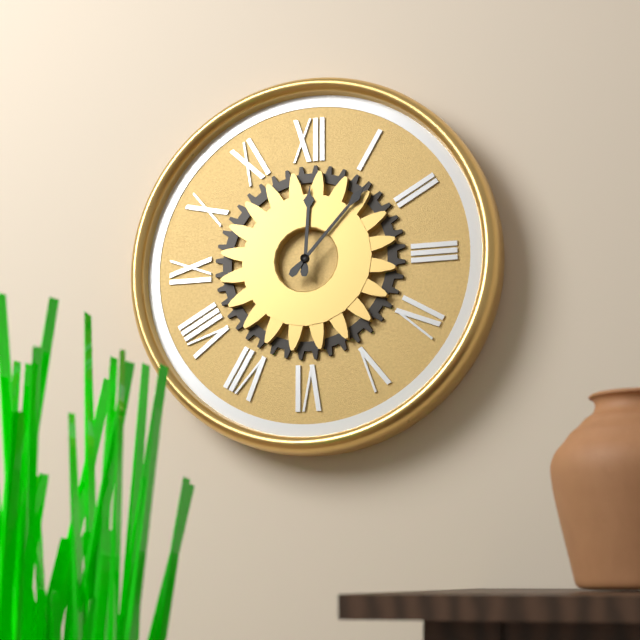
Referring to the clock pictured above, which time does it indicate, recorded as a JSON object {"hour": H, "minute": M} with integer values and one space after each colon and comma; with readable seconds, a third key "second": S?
{"hour": 12, "minute": 7}
